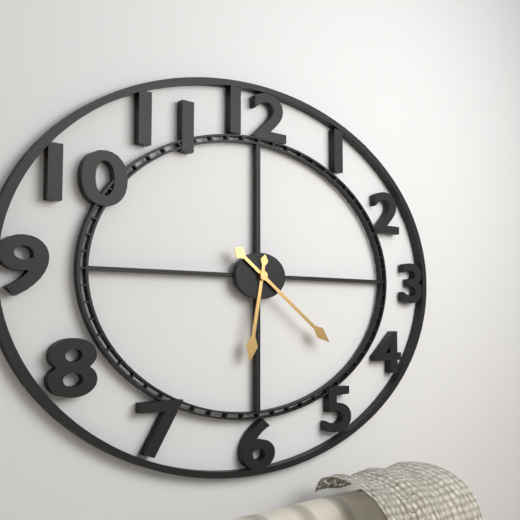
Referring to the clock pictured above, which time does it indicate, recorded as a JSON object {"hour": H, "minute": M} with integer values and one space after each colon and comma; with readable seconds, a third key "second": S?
{"hour": 6, "minute": 21}
